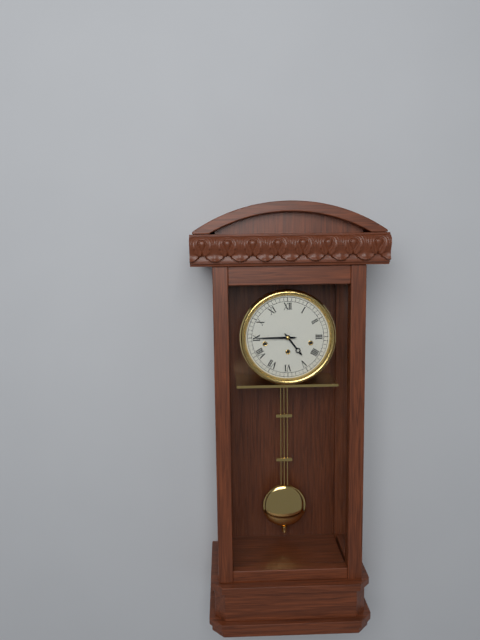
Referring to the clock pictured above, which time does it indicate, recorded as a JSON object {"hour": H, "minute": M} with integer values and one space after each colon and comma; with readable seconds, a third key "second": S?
{"hour": 4, "minute": 45}
